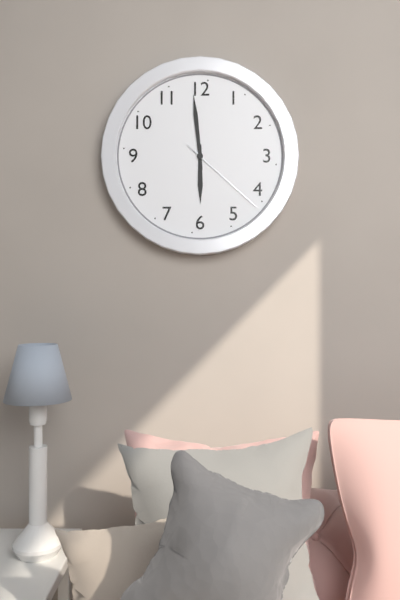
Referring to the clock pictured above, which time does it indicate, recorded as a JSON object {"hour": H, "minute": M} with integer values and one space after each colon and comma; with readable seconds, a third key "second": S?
{"hour": 5, "minute": 59, "second": 22}
